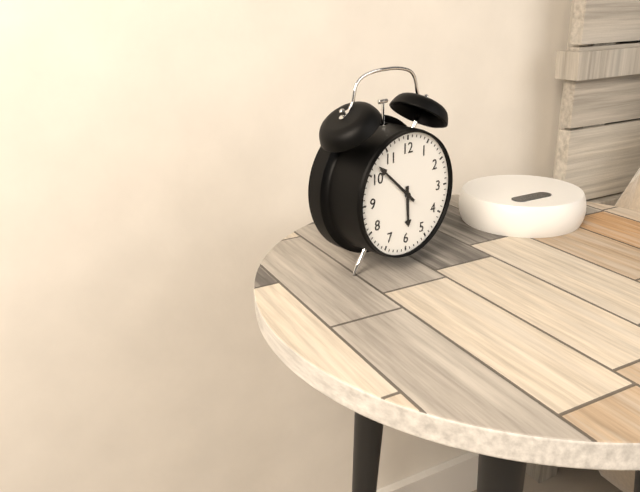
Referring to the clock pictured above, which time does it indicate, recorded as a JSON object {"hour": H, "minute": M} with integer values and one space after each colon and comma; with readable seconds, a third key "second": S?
{"hour": 5, "minute": 52}
